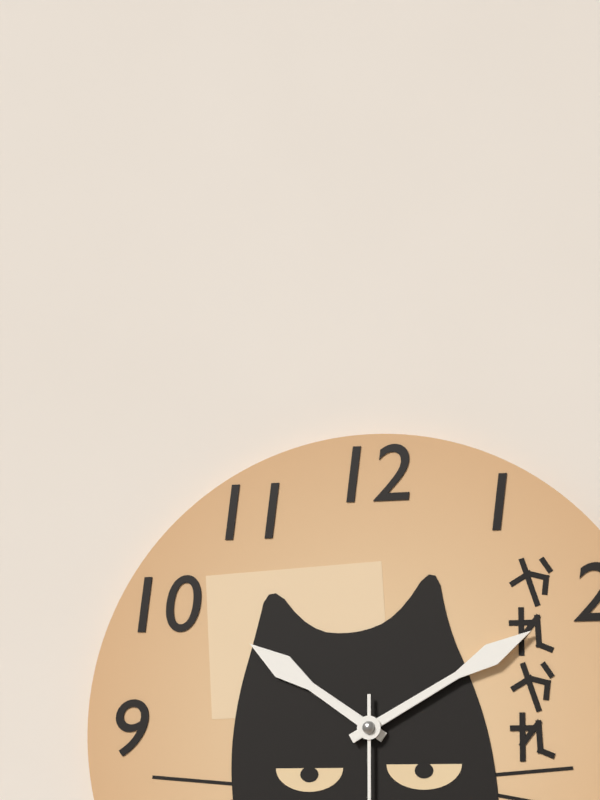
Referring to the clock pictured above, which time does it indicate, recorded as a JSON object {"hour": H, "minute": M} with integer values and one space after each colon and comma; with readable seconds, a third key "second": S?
{"hour": 10, "minute": 10}
